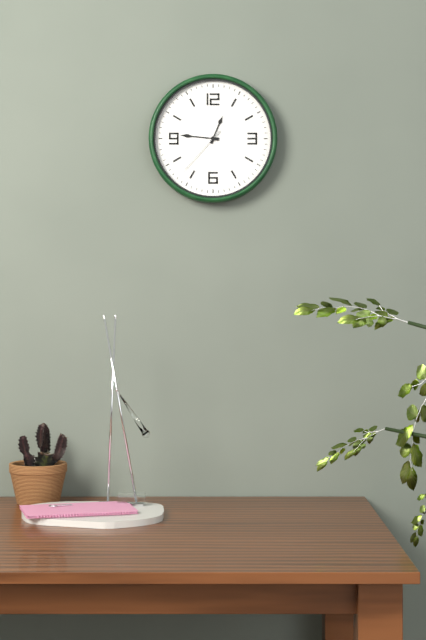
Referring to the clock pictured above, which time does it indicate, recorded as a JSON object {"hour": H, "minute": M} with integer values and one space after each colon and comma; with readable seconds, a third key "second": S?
{"hour": 12, "minute": 46, "second": 37}
